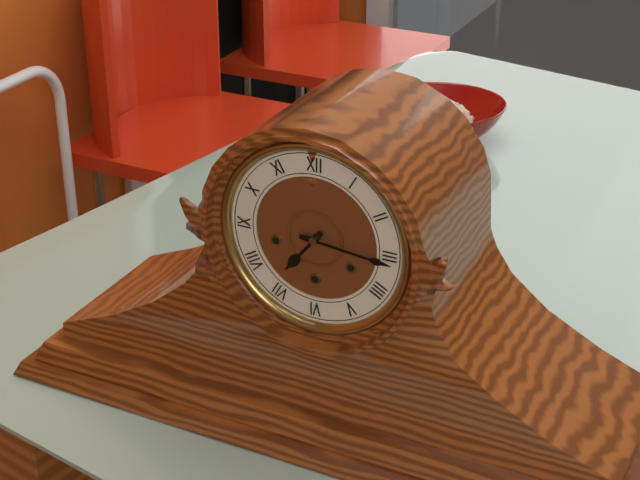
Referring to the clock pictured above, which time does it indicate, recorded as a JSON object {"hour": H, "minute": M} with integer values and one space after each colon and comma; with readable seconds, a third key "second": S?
{"hour": 7, "minute": 16}
